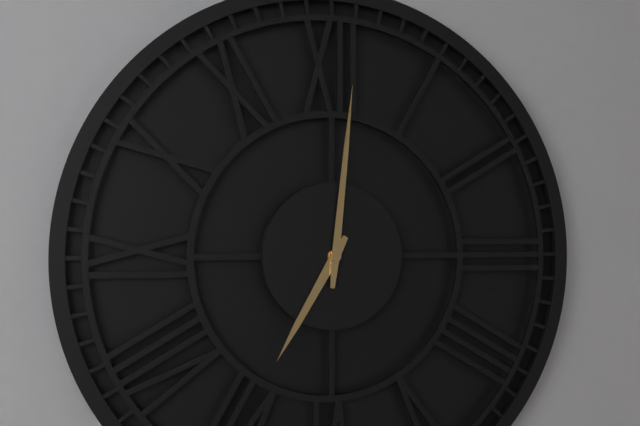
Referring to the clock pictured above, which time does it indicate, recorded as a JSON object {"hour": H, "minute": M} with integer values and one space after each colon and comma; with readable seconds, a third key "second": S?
{"hour": 7, "minute": 1}
